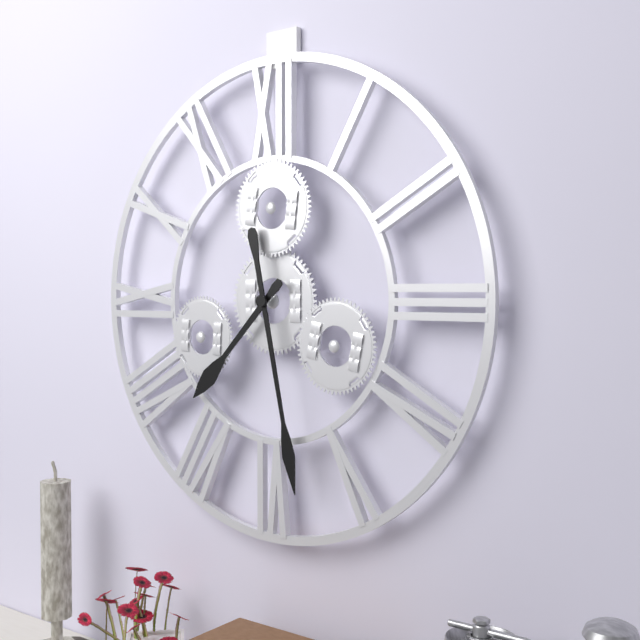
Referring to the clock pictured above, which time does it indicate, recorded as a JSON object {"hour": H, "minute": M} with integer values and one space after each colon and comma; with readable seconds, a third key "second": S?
{"hour": 7, "minute": 28}
